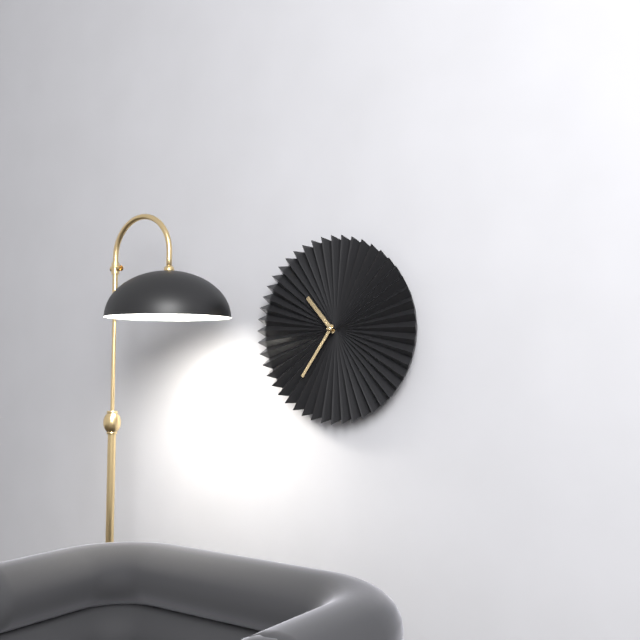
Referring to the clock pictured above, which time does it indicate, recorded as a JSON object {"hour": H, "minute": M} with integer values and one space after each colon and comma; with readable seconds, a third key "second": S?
{"hour": 10, "minute": 36}
